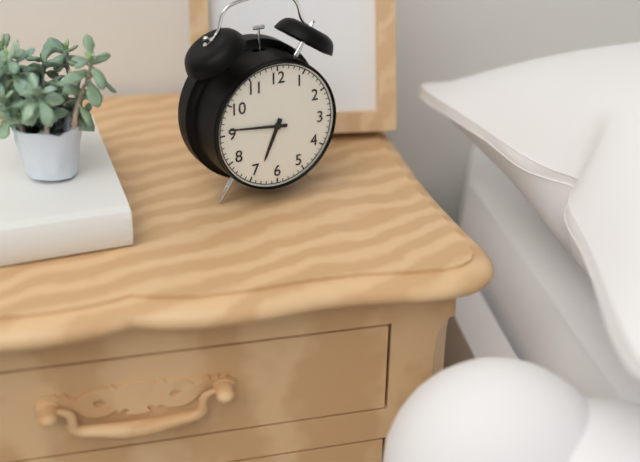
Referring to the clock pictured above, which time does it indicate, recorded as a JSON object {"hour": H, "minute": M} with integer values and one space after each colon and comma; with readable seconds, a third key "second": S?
{"hour": 6, "minute": 46}
